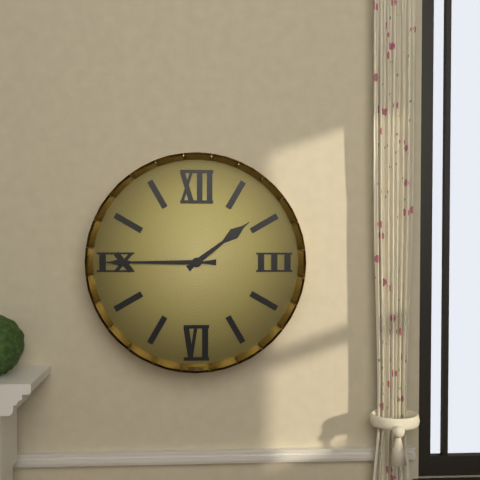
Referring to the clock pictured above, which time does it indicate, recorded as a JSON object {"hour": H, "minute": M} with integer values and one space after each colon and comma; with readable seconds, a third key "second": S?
{"hour": 1, "minute": 45}
